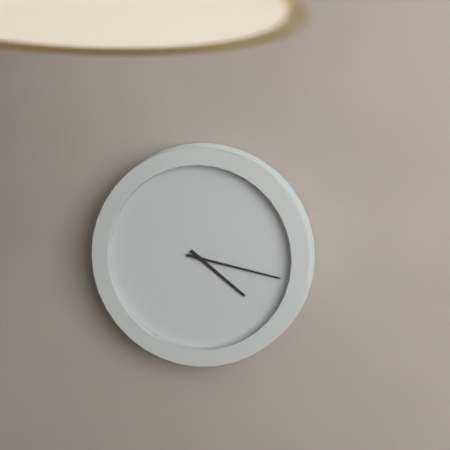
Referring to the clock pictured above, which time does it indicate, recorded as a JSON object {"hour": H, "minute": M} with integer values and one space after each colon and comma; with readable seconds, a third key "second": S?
{"hour": 4, "minute": 17}
